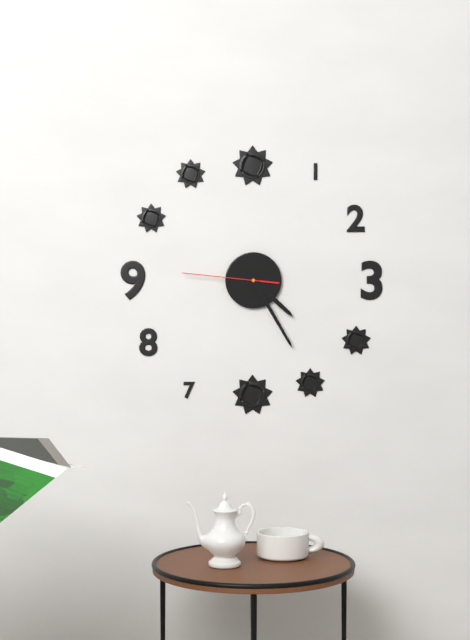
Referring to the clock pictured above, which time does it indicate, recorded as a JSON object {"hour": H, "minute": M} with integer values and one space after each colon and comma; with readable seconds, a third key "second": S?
{"hour": 4, "minute": 25, "second": 46}
